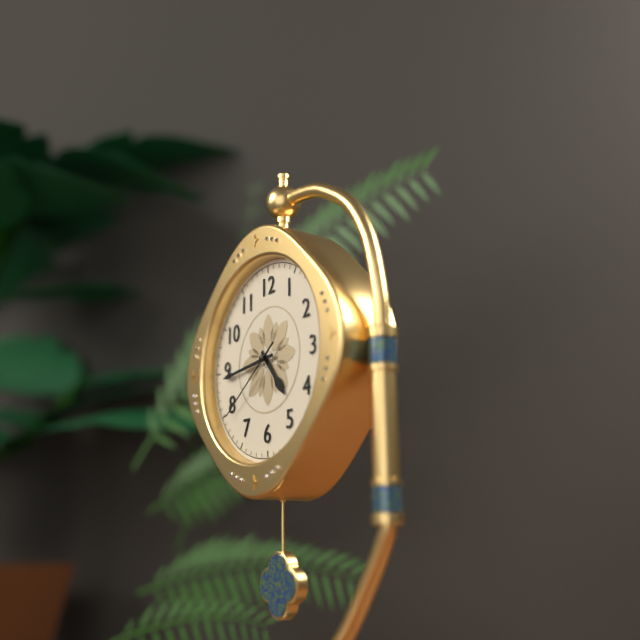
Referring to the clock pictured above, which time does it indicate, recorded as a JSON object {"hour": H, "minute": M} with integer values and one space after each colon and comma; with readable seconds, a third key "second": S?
{"hour": 4, "minute": 44, "second": 39}
